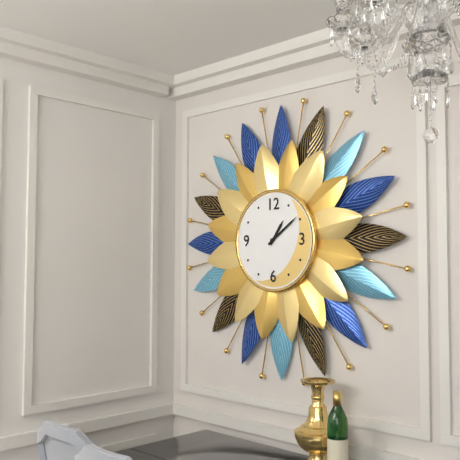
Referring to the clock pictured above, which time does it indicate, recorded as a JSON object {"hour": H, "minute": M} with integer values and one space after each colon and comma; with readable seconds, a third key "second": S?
{"hour": 1, "minute": 9}
